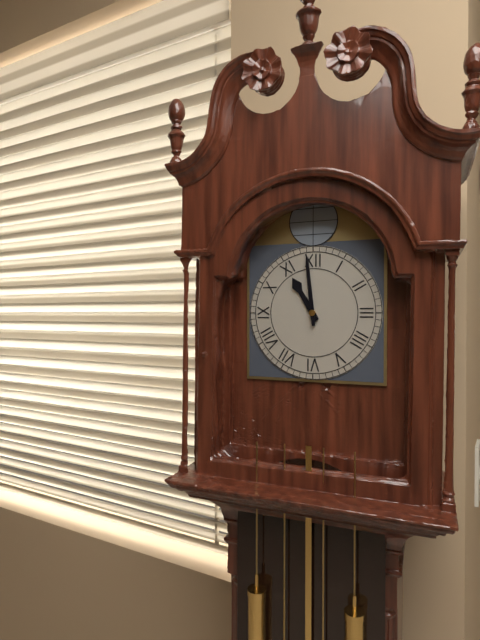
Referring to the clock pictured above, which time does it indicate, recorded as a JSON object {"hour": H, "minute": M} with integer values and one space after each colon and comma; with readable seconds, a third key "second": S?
{"hour": 10, "minute": 59}
